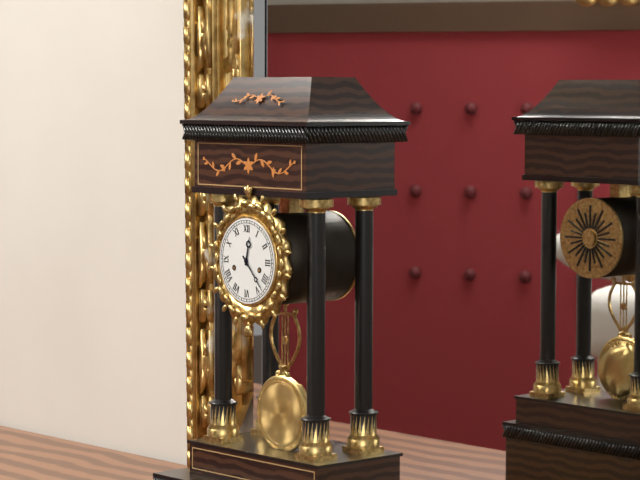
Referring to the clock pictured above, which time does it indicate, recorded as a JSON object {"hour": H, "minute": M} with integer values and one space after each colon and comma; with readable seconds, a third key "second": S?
{"hour": 12, "minute": 23}
